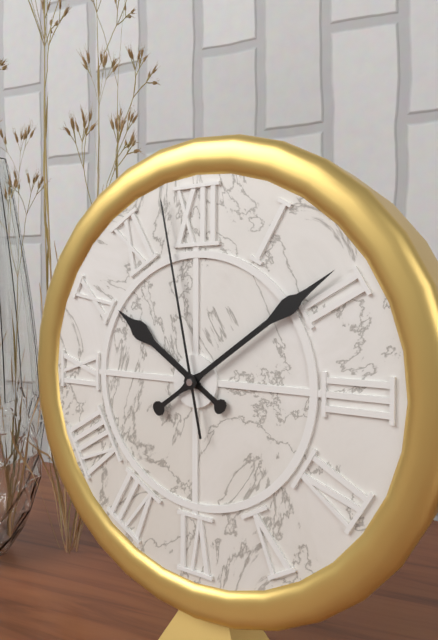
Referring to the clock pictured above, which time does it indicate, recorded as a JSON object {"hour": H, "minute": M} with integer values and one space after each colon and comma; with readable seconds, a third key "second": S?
{"hour": 10, "minute": 9, "second": 58}
